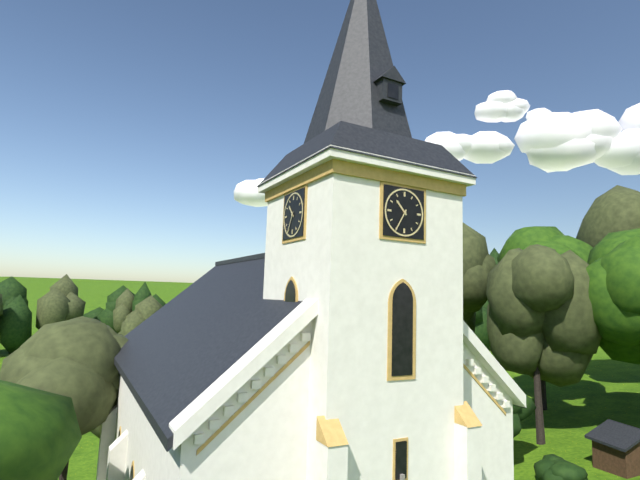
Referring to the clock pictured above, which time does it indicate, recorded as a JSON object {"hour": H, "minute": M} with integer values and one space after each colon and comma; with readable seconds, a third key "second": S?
{"hour": 10, "minute": 35}
